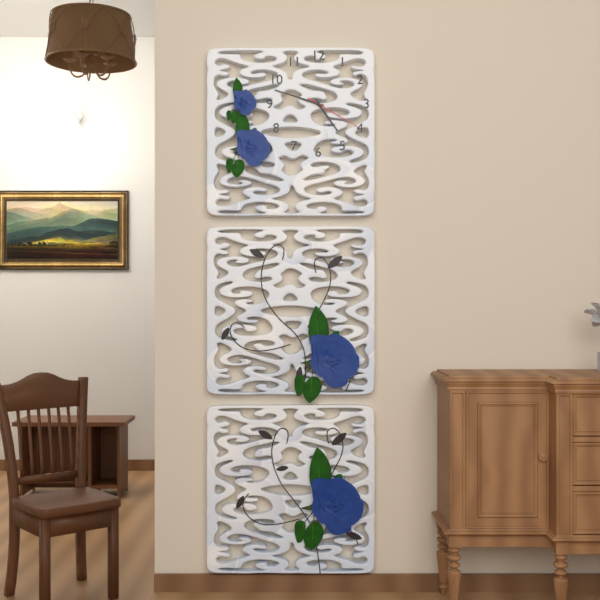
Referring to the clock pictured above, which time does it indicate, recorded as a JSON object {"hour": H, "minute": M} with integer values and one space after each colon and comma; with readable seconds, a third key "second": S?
{"hour": 4, "minute": 48, "second": 20}
